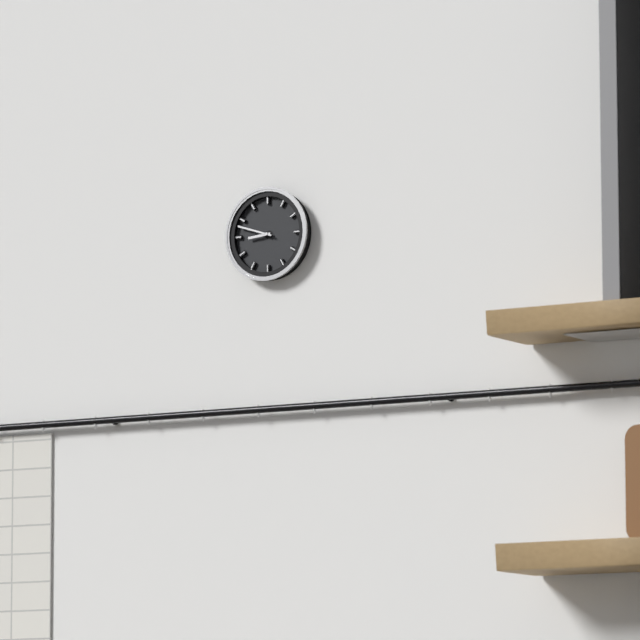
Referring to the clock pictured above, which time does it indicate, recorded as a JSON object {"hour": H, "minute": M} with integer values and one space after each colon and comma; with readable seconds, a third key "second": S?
{"hour": 8, "minute": 48}
